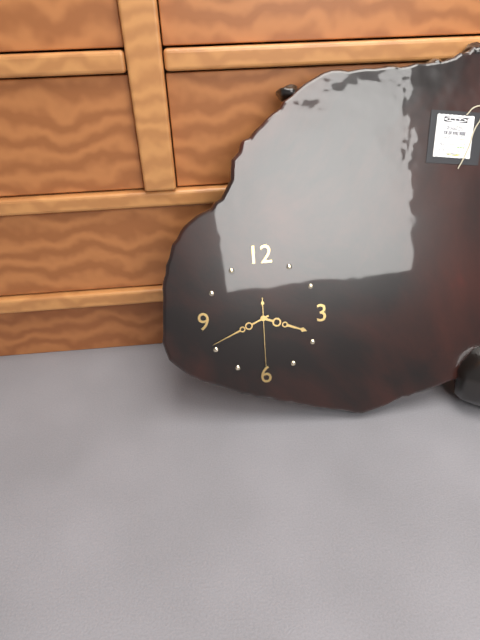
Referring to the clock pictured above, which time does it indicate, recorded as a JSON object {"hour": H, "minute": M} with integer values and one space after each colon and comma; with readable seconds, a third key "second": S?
{"hour": 3, "minute": 41, "second": 30}
